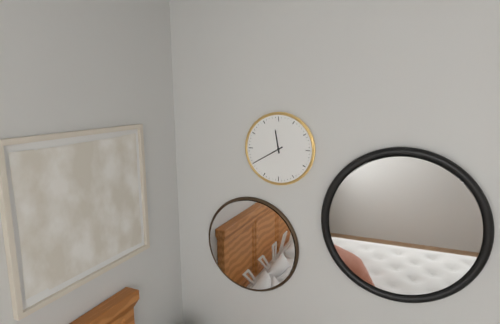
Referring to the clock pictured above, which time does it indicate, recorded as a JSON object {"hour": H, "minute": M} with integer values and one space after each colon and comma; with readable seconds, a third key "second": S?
{"hour": 11, "minute": 40}
